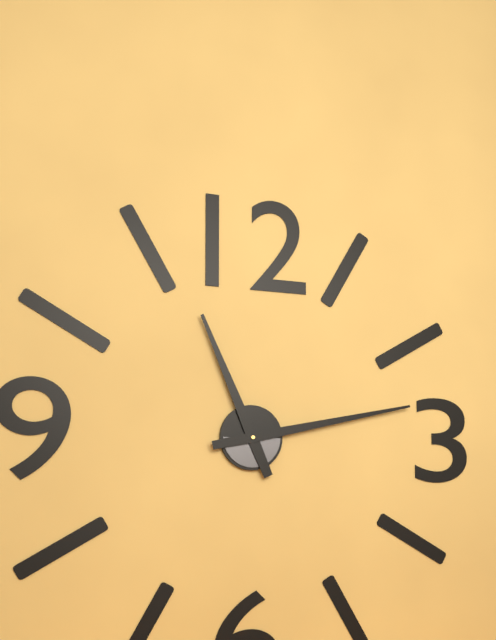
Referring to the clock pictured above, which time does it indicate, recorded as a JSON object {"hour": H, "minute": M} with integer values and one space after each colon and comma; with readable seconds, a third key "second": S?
{"hour": 11, "minute": 13}
